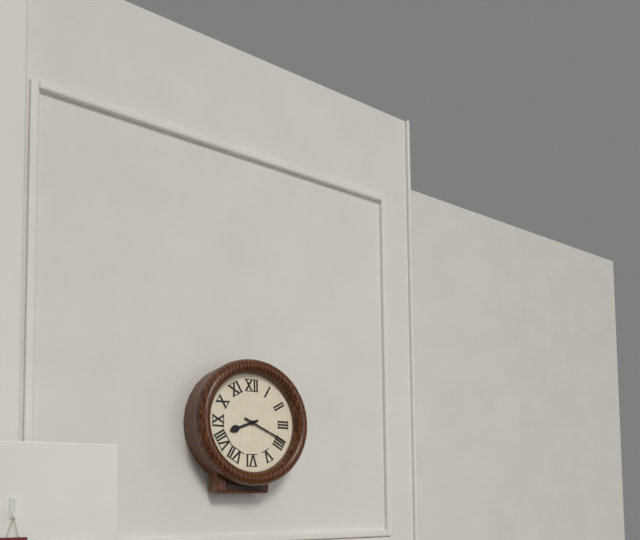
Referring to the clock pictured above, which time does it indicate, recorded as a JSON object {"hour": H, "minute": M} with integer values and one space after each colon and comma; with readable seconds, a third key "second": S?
{"hour": 8, "minute": 19}
